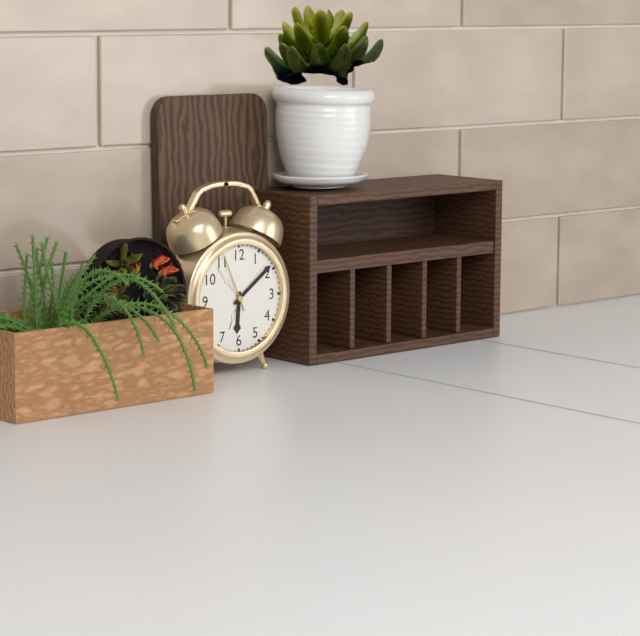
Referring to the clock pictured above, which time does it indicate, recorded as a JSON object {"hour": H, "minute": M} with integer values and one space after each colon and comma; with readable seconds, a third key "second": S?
{"hour": 6, "minute": 9, "second": 56}
